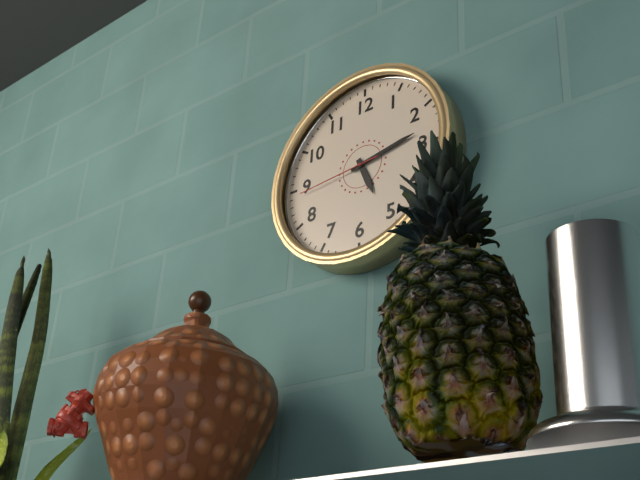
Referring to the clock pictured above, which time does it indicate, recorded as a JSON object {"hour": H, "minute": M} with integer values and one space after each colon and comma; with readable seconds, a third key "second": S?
{"hour": 5, "minute": 13, "second": 44}
